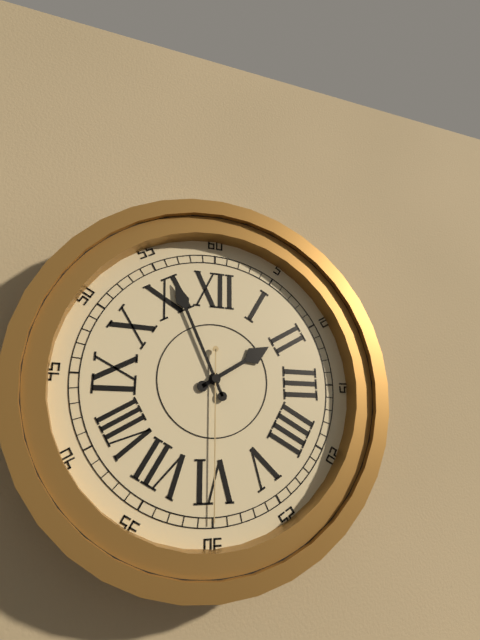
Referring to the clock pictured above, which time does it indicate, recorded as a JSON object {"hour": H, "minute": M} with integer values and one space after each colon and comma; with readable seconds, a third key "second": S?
{"hour": 1, "minute": 56, "second": 30}
